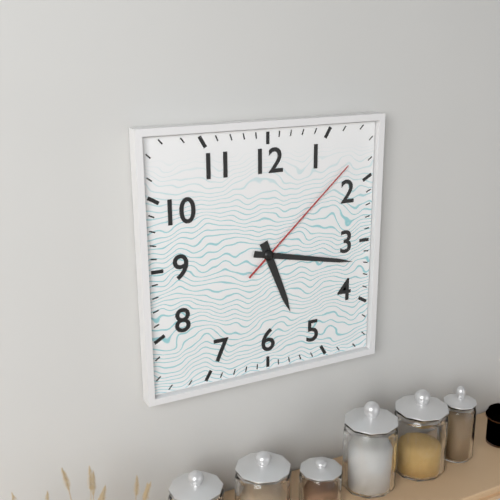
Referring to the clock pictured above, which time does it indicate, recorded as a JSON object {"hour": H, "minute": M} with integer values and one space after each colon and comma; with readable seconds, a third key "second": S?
{"hour": 5, "minute": 17, "second": 8}
